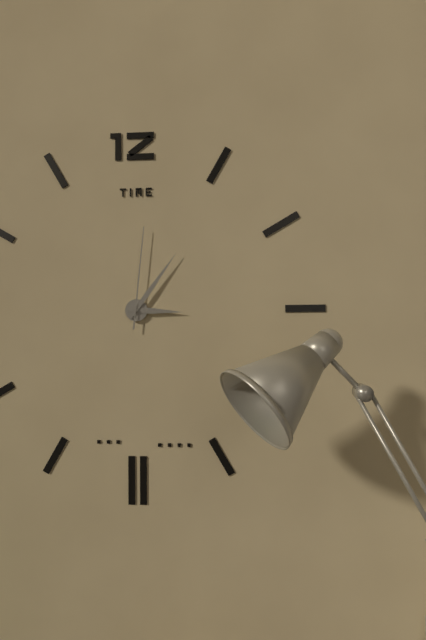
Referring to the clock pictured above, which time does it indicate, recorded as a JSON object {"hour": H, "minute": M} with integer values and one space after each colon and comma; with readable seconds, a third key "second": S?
{"hour": 3, "minute": 6, "second": 1}
